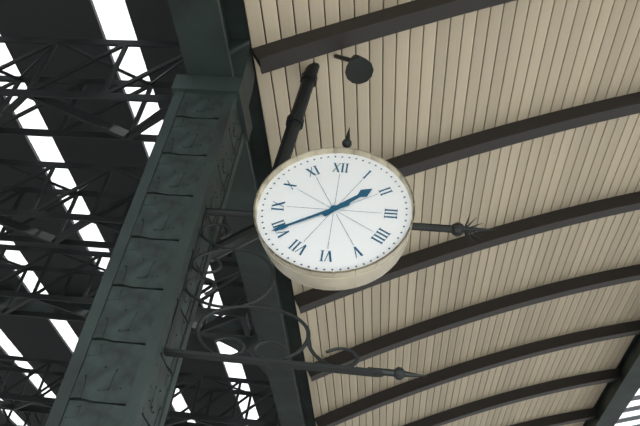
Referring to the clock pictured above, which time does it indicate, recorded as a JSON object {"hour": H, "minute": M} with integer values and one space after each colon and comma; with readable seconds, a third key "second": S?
{"hour": 1, "minute": 40}
